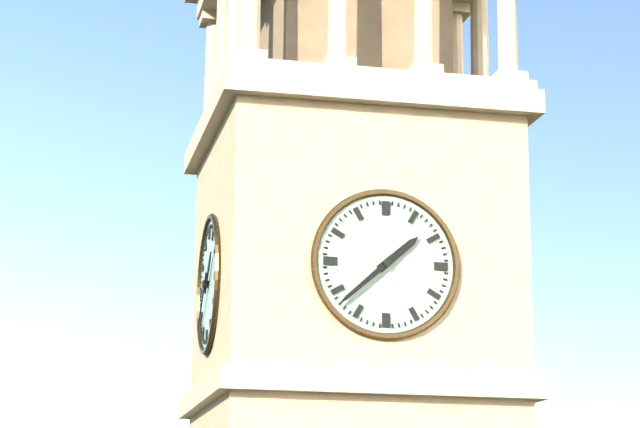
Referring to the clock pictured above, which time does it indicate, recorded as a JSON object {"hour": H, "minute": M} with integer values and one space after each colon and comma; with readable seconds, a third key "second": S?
{"hour": 1, "minute": 38}
